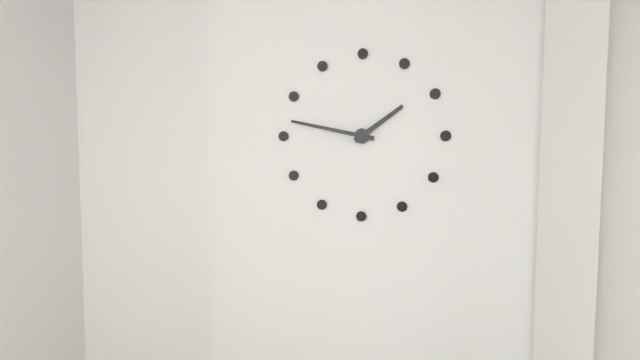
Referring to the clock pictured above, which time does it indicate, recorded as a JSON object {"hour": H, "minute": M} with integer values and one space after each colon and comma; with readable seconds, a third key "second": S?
{"hour": 1, "minute": 47}
